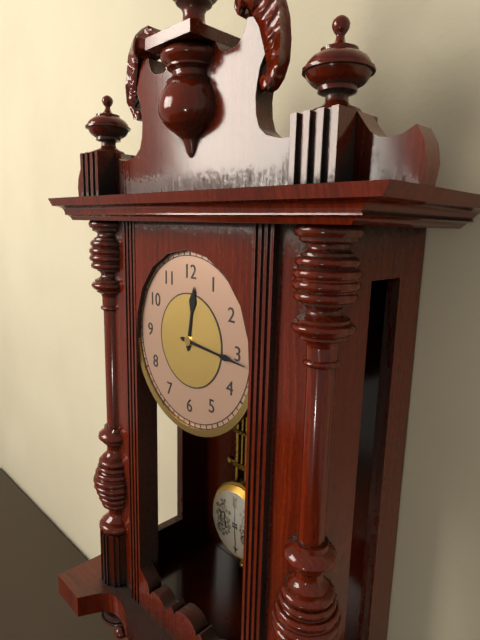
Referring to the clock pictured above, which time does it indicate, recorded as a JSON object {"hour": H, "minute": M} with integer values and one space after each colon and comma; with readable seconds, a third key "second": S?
{"hour": 12, "minute": 16}
